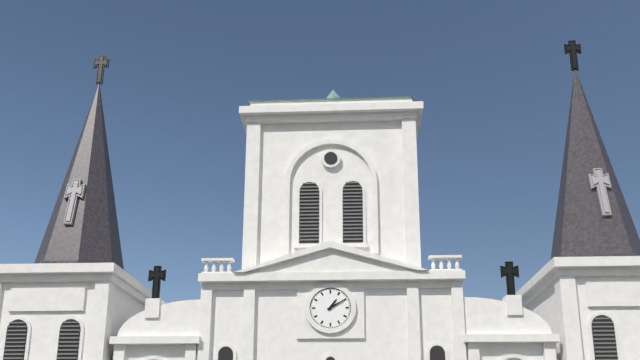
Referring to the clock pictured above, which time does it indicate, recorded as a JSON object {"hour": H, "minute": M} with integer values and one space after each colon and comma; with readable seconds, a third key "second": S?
{"hour": 1, "minute": 10}
